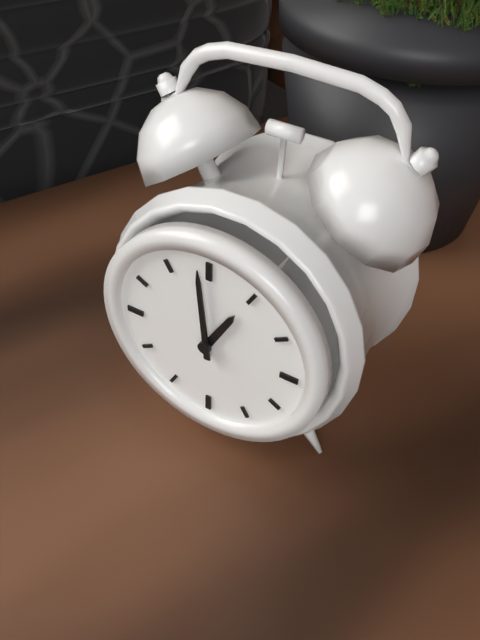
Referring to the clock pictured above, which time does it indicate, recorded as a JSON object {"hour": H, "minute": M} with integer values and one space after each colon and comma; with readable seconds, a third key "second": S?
{"hour": 12, "minute": 59}
